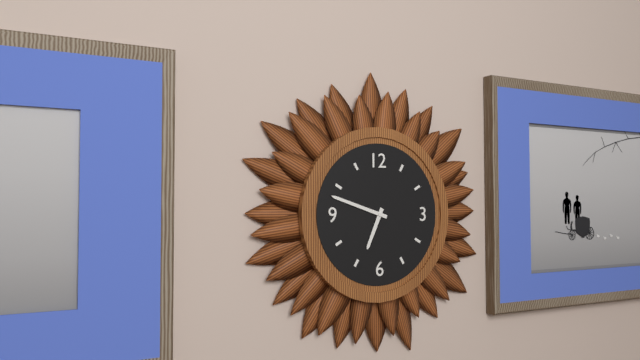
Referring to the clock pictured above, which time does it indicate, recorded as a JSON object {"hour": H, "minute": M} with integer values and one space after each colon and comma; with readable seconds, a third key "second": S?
{"hour": 6, "minute": 48}
